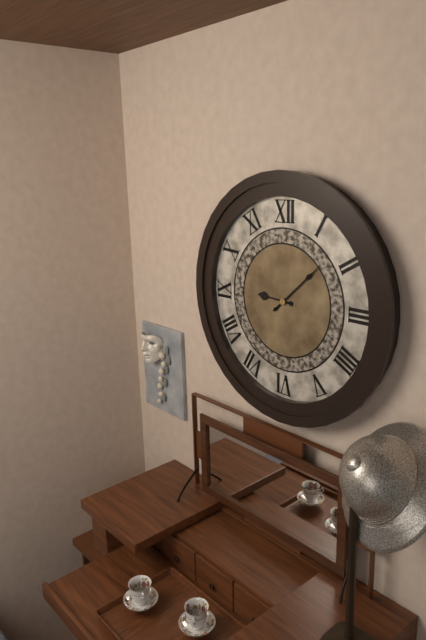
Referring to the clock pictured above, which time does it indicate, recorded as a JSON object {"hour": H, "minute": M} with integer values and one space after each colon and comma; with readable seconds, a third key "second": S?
{"hour": 9, "minute": 8}
